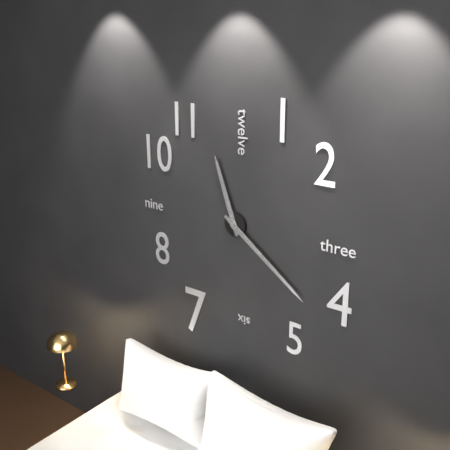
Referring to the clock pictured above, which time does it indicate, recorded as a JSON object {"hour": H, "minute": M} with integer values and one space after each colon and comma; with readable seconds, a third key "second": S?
{"hour": 11, "minute": 21}
